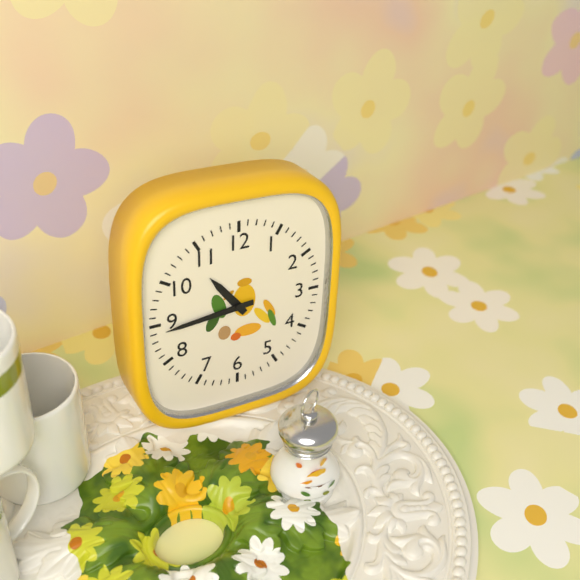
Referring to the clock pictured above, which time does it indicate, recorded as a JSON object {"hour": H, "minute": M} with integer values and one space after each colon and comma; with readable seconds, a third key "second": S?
{"hour": 10, "minute": 44}
